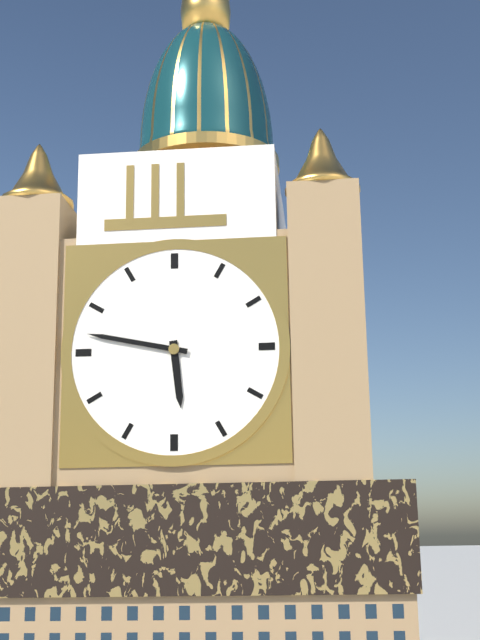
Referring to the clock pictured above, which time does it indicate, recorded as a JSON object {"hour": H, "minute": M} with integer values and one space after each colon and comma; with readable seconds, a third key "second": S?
{"hour": 5, "minute": 47}
